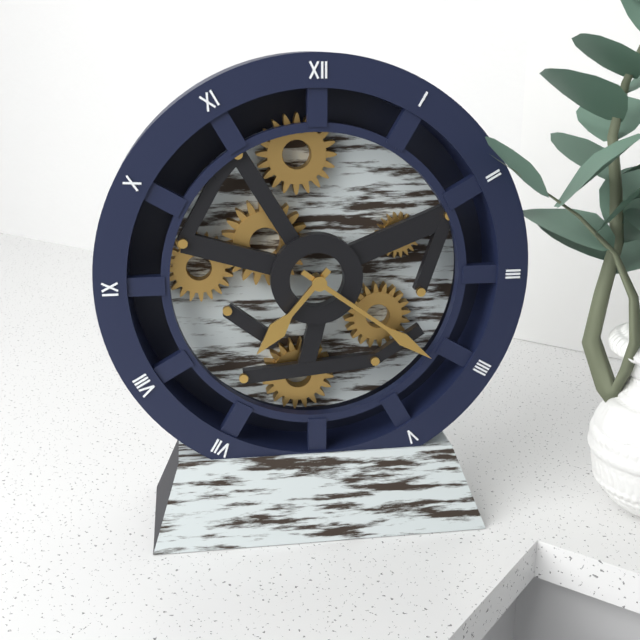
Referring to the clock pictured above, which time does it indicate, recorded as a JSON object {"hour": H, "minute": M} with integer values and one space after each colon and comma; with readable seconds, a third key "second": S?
{"hour": 7, "minute": 21}
